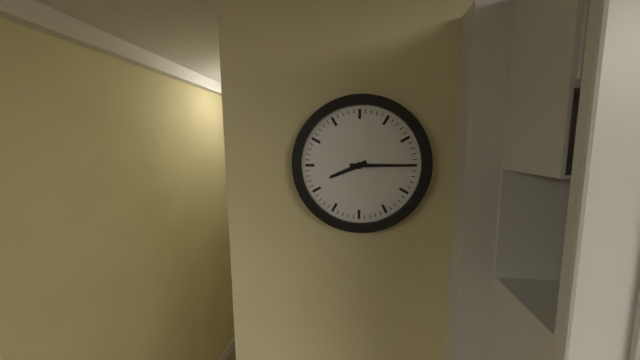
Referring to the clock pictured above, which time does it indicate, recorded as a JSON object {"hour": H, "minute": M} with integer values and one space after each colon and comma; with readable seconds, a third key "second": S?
{"hour": 8, "minute": 15}
